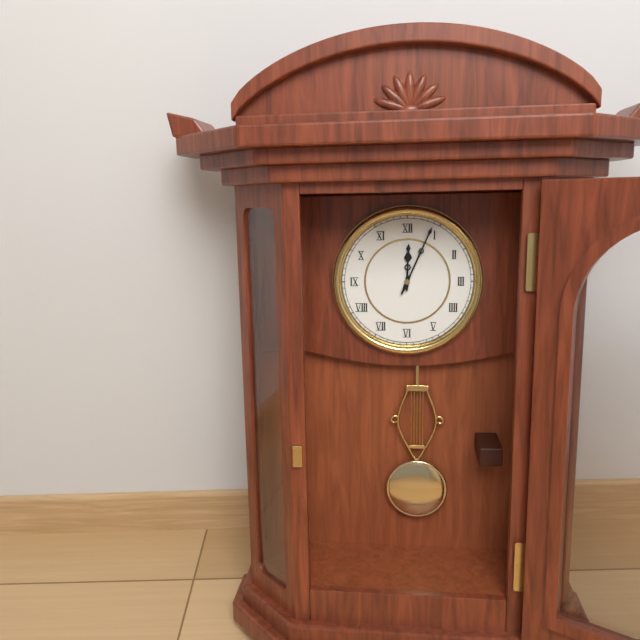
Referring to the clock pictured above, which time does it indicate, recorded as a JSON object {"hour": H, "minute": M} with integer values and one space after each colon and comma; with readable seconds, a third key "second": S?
{"hour": 12, "minute": 4}
